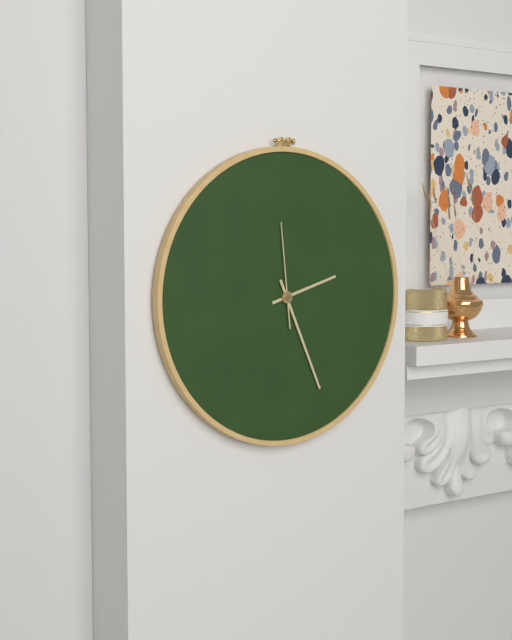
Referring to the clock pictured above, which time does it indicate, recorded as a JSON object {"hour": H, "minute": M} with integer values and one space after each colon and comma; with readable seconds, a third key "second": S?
{"hour": 2, "minute": 26, "second": 59}
